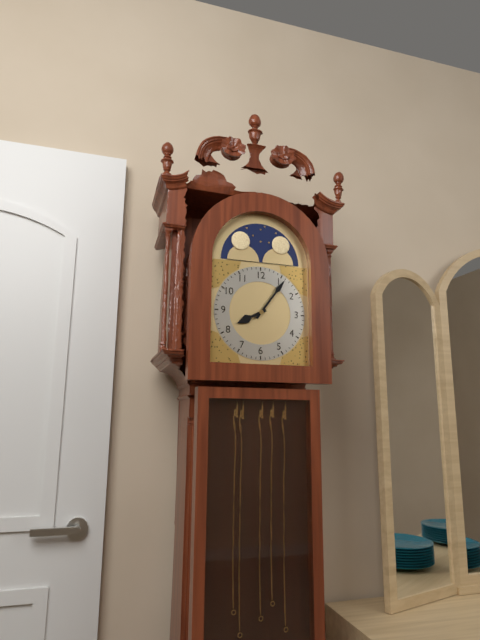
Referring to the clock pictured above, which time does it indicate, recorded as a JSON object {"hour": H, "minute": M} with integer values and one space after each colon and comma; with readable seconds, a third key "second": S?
{"hour": 8, "minute": 6}
